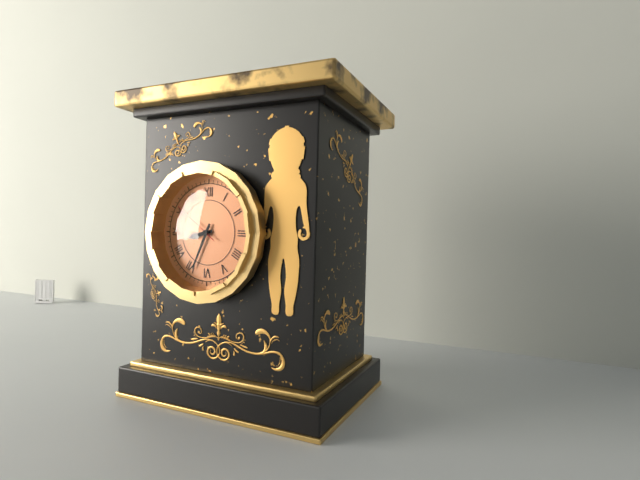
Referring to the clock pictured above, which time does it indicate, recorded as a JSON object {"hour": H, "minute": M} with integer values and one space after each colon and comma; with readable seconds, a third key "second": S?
{"hour": 8, "minute": 34}
